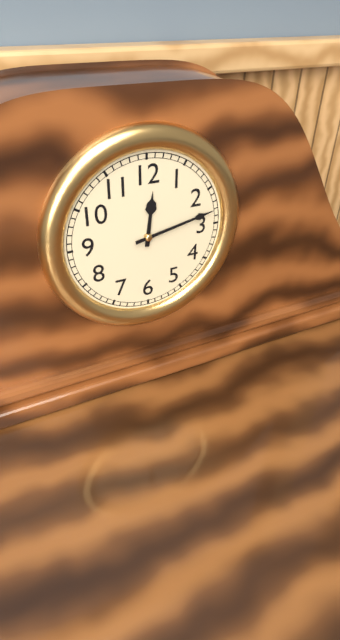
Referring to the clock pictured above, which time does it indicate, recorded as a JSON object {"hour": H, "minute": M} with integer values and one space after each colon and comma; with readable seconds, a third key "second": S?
{"hour": 12, "minute": 13}
